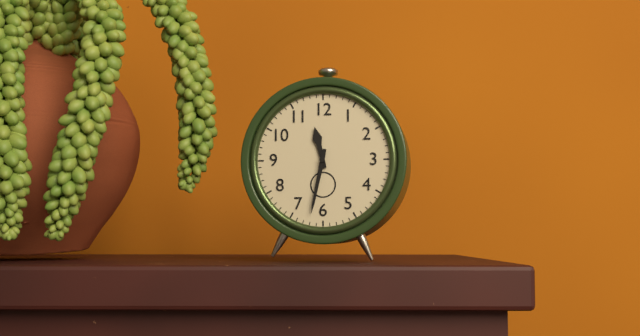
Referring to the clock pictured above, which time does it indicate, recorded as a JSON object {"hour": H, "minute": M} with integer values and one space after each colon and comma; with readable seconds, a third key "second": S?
{"hour": 11, "minute": 32}
